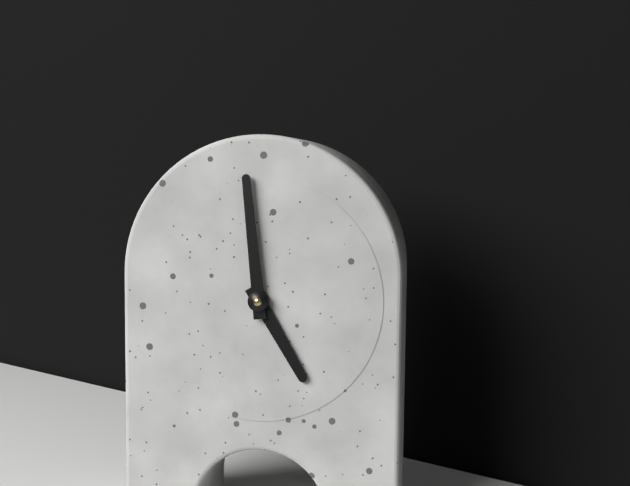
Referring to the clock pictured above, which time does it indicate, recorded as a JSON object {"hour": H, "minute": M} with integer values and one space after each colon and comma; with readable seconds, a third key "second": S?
{"hour": 4, "minute": 59}
